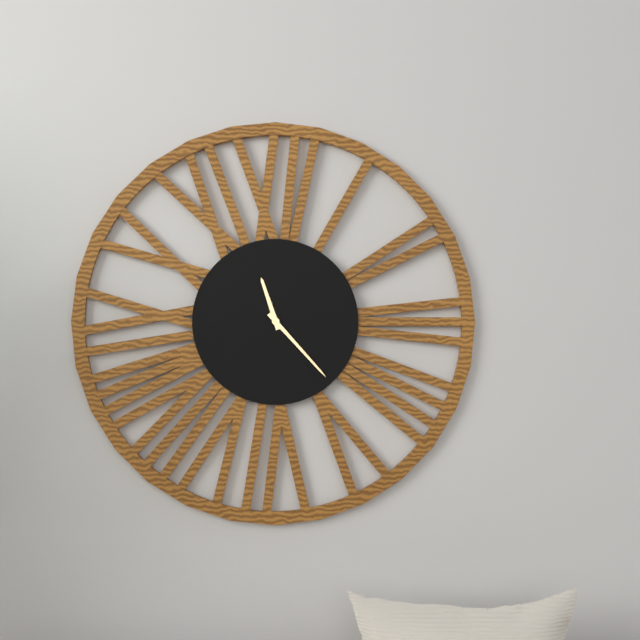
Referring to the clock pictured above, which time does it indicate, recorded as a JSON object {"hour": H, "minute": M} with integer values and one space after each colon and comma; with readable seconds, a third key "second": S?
{"hour": 11, "minute": 23}
